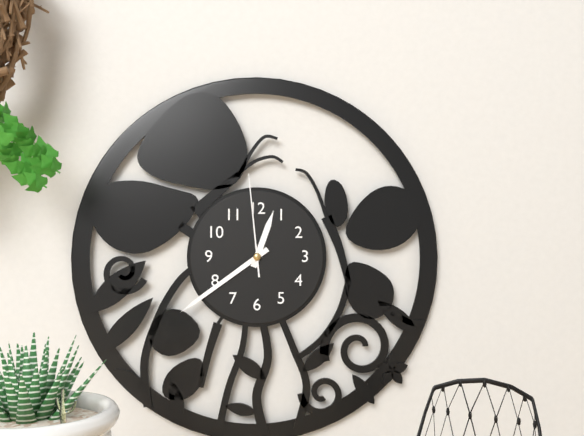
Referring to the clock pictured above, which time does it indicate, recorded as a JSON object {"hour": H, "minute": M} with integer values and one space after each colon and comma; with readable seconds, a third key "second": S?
{"hour": 12, "minute": 39, "second": 59}
